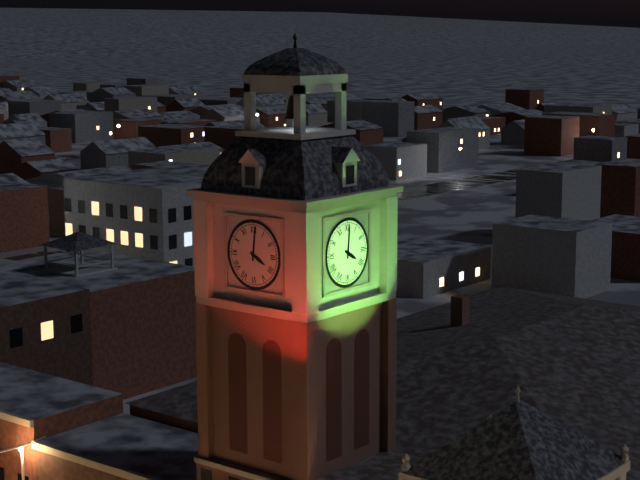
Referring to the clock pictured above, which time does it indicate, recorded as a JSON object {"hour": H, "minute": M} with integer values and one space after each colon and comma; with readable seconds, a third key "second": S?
{"hour": 4, "minute": 1}
